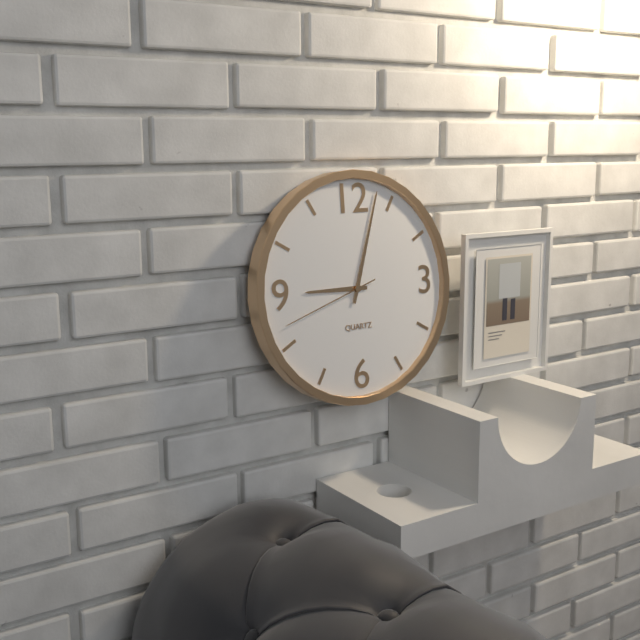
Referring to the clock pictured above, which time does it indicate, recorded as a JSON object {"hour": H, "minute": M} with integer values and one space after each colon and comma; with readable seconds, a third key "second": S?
{"hour": 9, "minute": 3, "second": 42}
